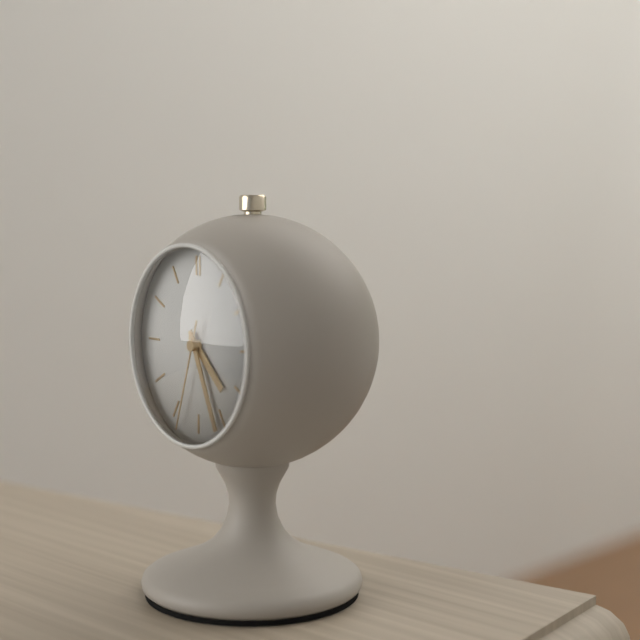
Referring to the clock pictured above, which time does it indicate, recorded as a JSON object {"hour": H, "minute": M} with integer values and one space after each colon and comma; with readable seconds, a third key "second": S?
{"hour": 4, "minute": 26, "second": 33}
